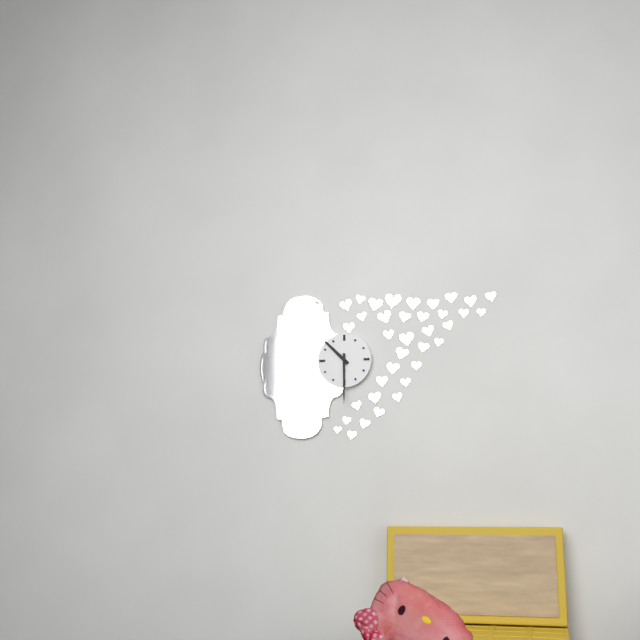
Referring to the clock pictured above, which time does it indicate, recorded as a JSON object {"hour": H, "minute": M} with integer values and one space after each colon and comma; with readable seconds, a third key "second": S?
{"hour": 10, "minute": 30}
